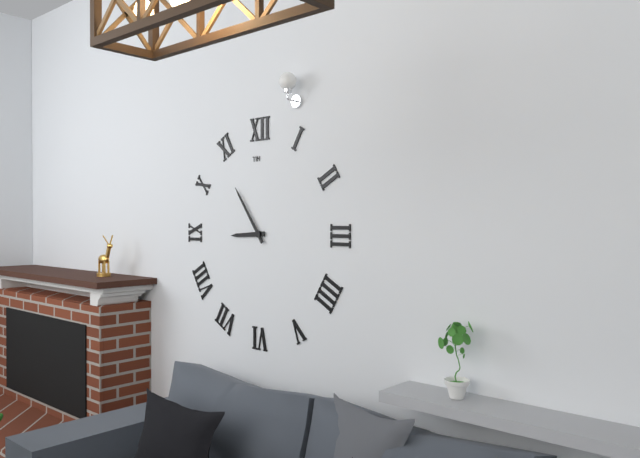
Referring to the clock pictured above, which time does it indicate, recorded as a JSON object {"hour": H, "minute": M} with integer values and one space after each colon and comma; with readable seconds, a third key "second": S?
{"hour": 8, "minute": 54}
